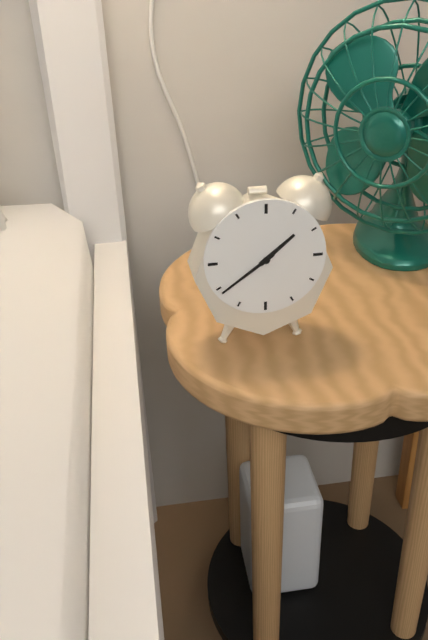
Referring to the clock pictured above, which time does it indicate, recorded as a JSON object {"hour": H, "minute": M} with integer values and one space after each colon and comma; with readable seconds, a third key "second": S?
{"hour": 1, "minute": 39}
